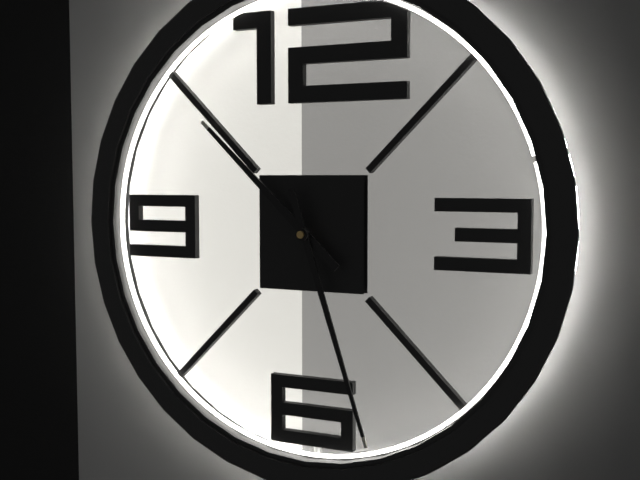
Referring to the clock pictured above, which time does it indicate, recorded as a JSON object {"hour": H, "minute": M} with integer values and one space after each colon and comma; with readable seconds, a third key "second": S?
{"hour": 10, "minute": 27}
